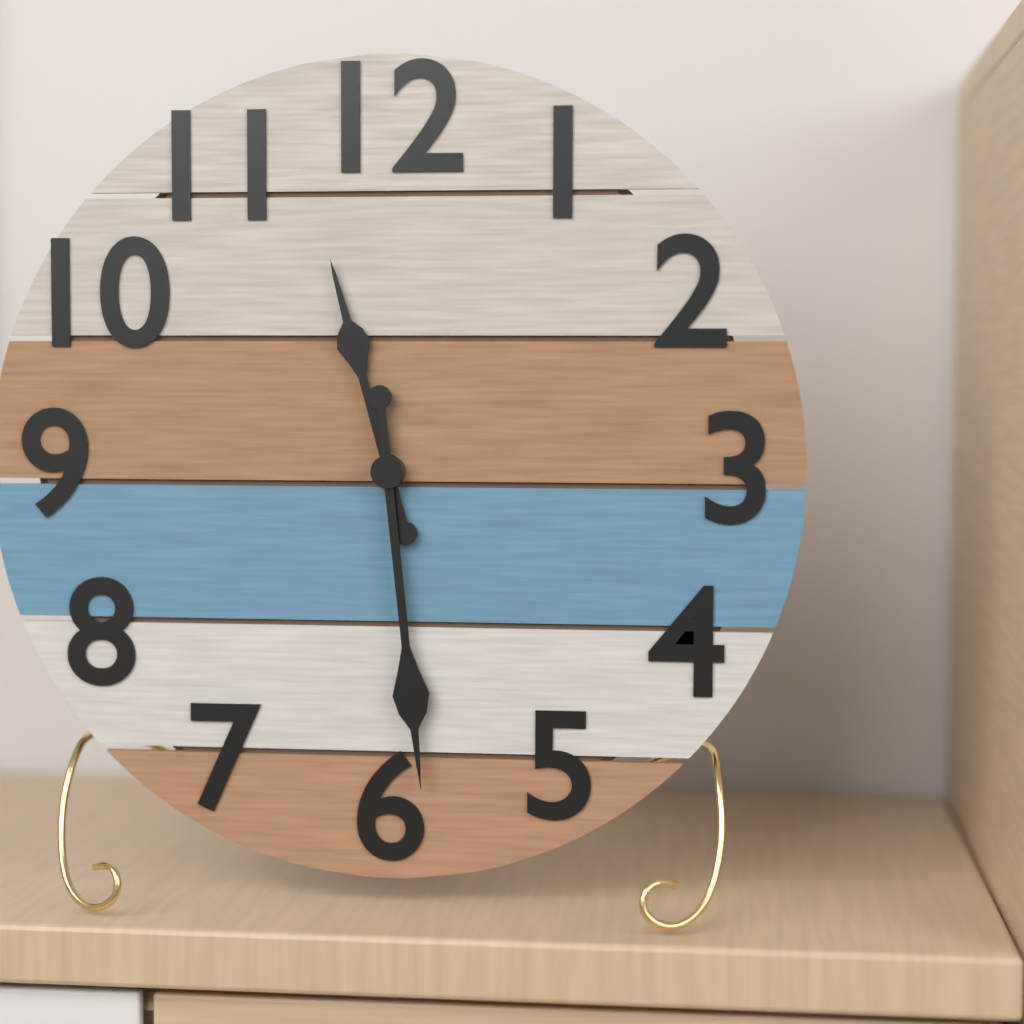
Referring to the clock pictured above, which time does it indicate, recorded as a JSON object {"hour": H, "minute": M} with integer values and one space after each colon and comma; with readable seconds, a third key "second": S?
{"hour": 11, "minute": 29}
